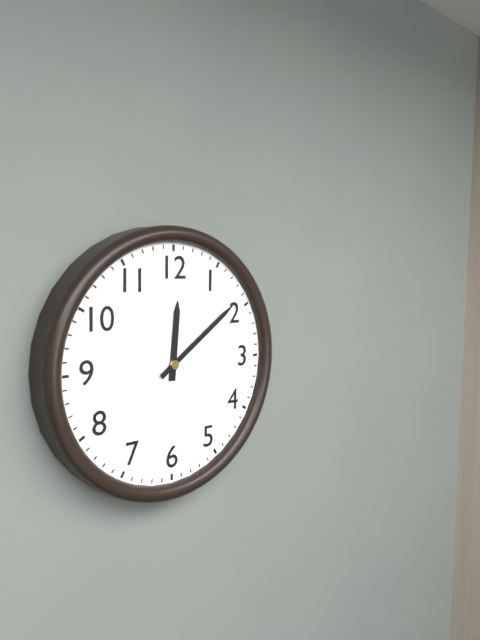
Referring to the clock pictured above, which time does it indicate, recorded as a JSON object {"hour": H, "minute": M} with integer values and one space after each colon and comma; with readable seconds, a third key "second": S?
{"hour": 12, "minute": 9}
